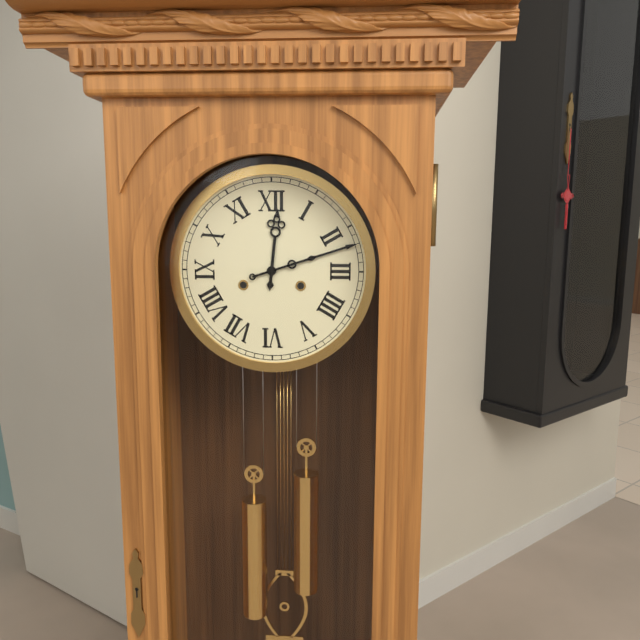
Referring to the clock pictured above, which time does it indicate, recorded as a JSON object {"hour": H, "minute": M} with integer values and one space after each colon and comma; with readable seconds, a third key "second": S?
{"hour": 12, "minute": 12}
